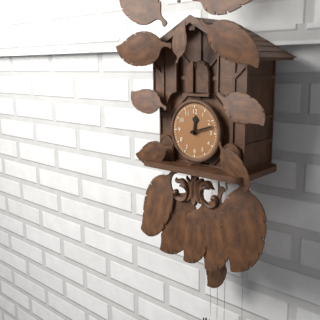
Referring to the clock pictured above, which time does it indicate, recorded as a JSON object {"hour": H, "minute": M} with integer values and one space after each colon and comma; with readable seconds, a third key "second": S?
{"hour": 12, "minute": 12}
